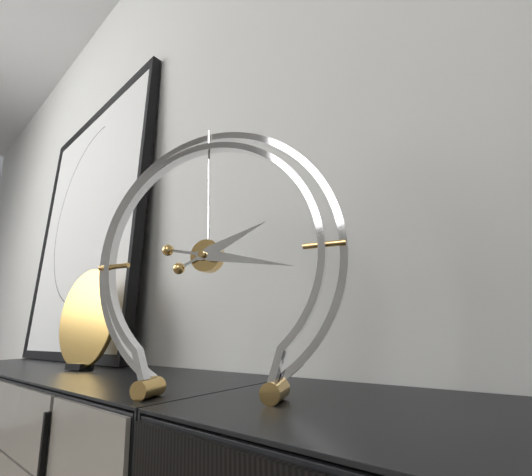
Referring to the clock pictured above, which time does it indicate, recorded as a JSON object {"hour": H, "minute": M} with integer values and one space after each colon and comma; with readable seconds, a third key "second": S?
{"hour": 2, "minute": 17}
